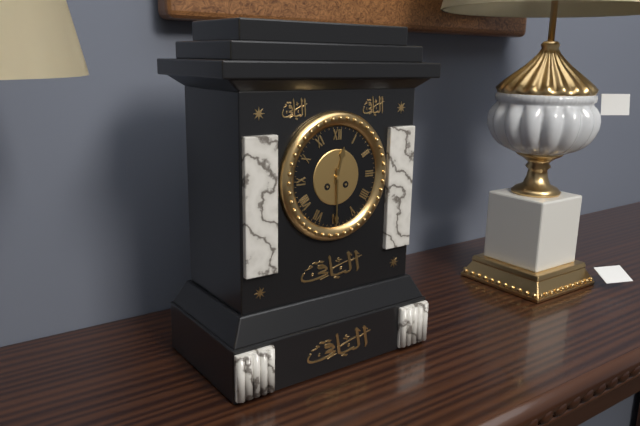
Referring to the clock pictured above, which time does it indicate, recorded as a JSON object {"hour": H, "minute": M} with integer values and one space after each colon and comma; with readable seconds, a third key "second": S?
{"hour": 12, "minute": 30}
